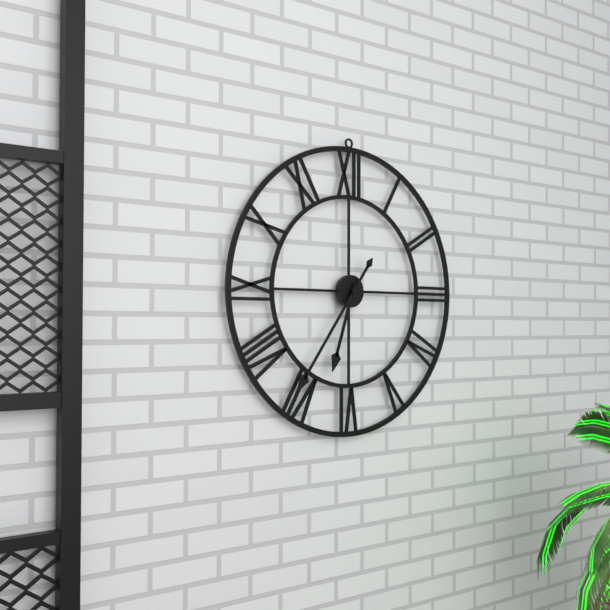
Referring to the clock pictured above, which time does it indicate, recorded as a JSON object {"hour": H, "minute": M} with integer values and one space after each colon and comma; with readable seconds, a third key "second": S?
{"hour": 6, "minute": 36}
